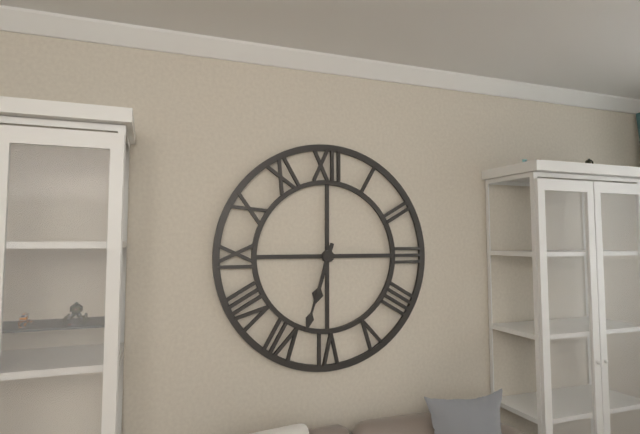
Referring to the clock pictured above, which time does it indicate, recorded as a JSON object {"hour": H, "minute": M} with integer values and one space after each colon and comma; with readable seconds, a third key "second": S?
{"hour": 6, "minute": 33}
